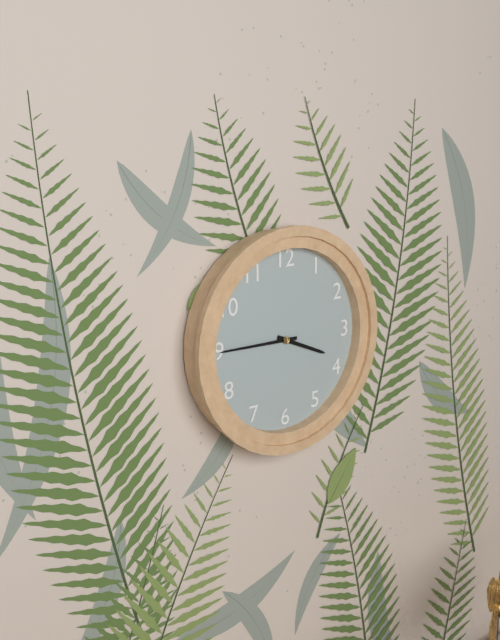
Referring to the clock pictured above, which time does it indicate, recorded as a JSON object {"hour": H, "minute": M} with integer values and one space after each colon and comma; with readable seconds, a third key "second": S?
{"hour": 3, "minute": 45}
